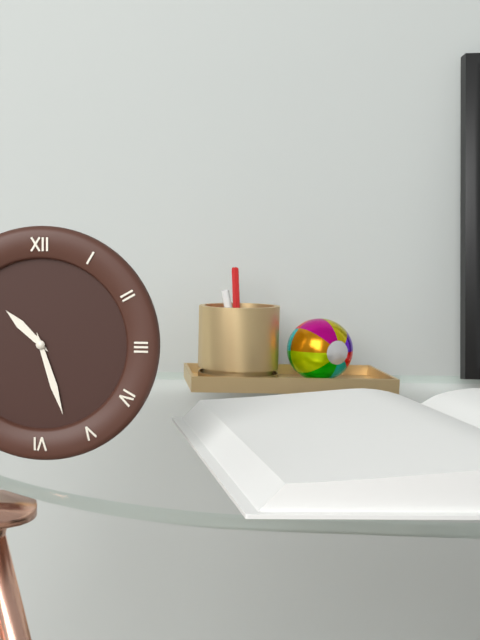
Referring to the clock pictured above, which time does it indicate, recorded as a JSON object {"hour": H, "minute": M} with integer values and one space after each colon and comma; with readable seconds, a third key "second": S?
{"hour": 10, "minute": 27}
